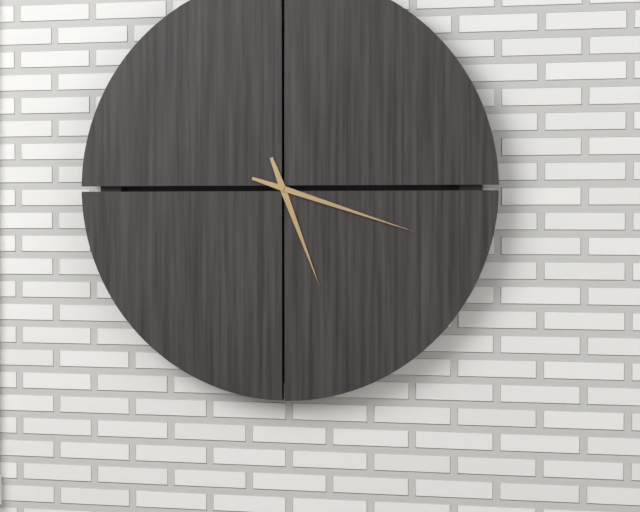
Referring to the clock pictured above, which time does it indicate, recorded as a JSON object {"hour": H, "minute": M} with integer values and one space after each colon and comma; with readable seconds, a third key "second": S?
{"hour": 5, "minute": 18}
